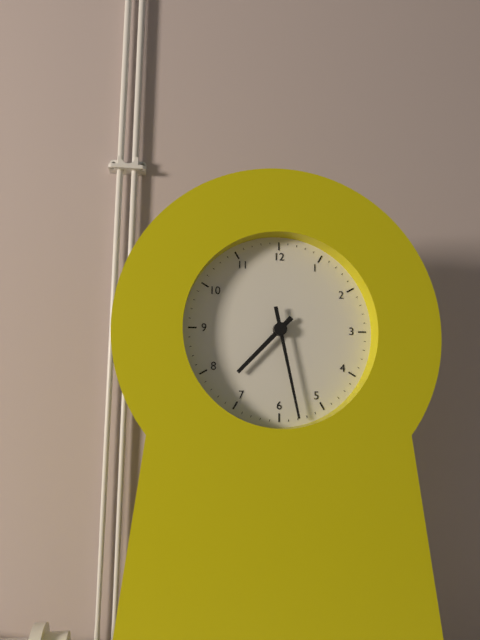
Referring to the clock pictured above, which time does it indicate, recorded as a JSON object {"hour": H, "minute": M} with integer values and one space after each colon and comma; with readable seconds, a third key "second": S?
{"hour": 7, "minute": 28}
